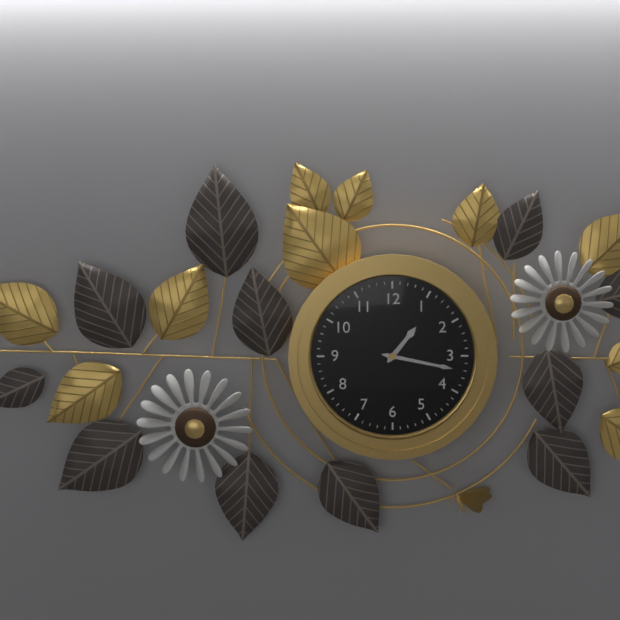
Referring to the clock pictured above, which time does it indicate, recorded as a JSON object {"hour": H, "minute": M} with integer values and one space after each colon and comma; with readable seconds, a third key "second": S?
{"hour": 1, "minute": 17}
